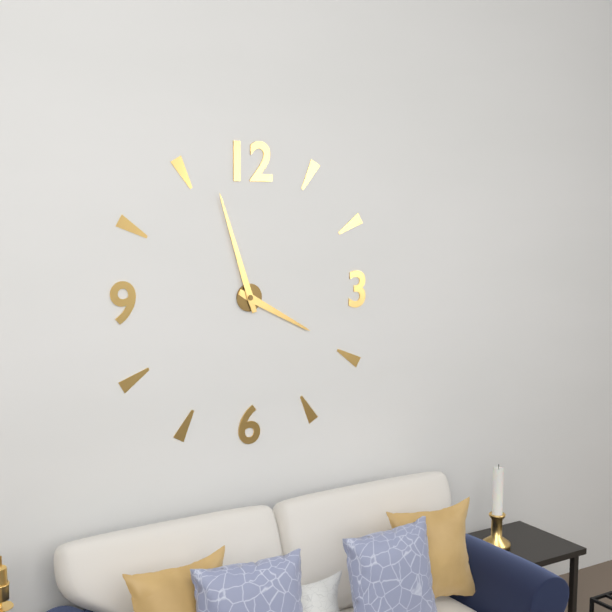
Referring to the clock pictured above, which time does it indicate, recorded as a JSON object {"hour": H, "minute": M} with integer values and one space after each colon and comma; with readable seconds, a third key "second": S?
{"hour": 3, "minute": 57}
